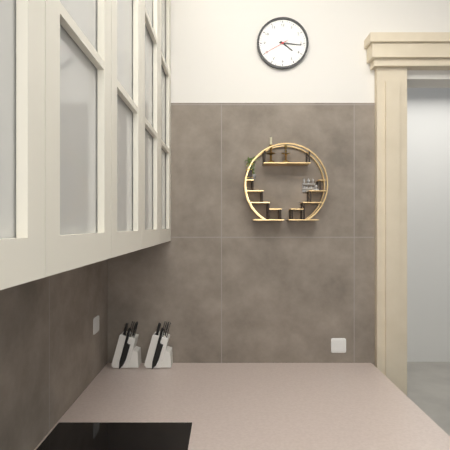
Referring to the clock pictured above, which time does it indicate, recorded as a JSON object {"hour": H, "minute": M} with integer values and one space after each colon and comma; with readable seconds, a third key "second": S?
{"hour": 4, "minute": 16}
